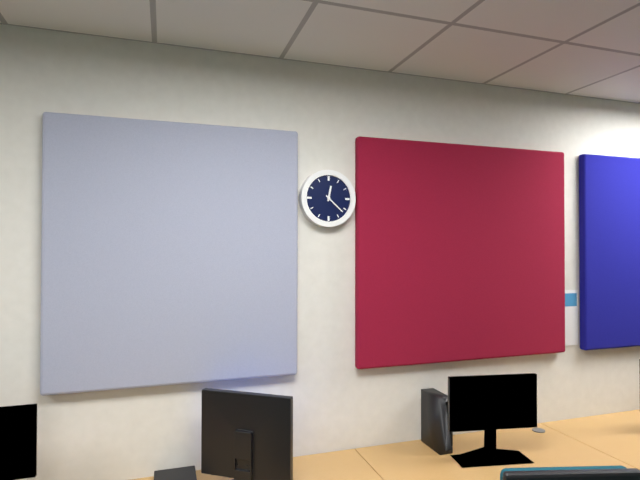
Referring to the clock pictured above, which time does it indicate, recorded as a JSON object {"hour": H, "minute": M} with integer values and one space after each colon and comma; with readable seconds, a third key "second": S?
{"hour": 12, "minute": 22}
